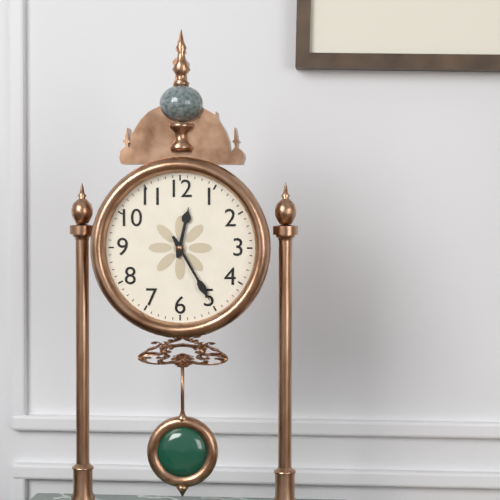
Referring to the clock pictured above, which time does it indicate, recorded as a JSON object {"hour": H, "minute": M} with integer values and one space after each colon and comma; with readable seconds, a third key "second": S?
{"hour": 12, "minute": 25}
